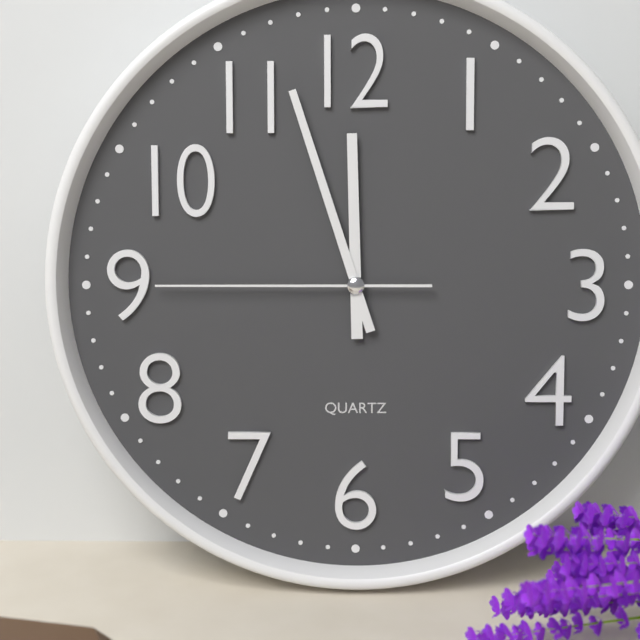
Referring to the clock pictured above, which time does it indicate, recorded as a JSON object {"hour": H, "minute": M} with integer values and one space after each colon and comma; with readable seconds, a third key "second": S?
{"hour": 11, "minute": 57, "second": 45}
